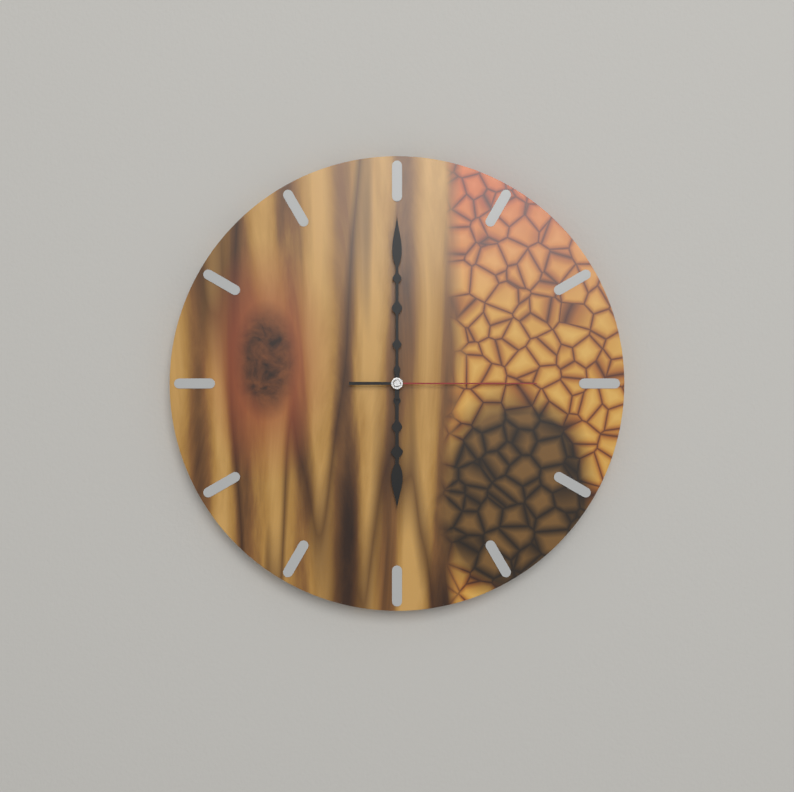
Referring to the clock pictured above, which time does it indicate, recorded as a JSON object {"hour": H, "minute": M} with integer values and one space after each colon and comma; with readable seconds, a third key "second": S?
{"hour": 6, "minute": 0, "second": 15}
